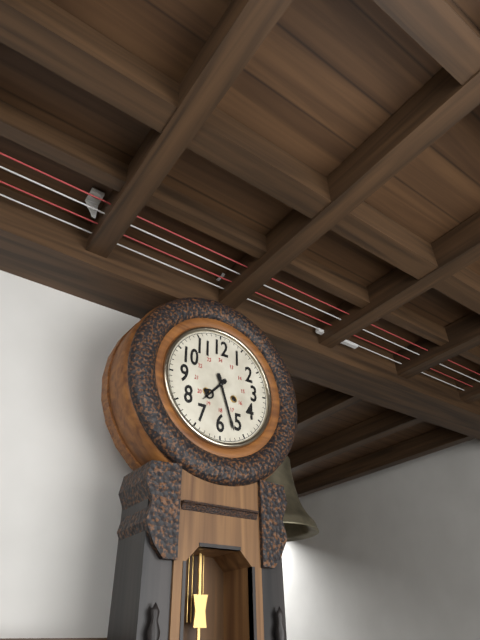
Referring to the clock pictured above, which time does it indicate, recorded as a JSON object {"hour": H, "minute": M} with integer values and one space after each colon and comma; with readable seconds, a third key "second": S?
{"hour": 7, "minute": 27}
